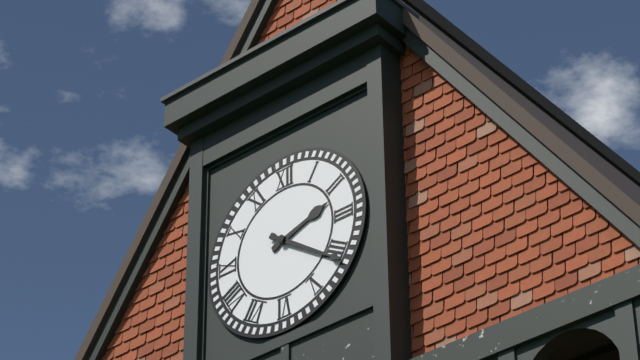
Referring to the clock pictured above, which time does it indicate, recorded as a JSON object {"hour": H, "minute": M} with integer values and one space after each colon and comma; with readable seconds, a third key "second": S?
{"hour": 2, "minute": 21}
